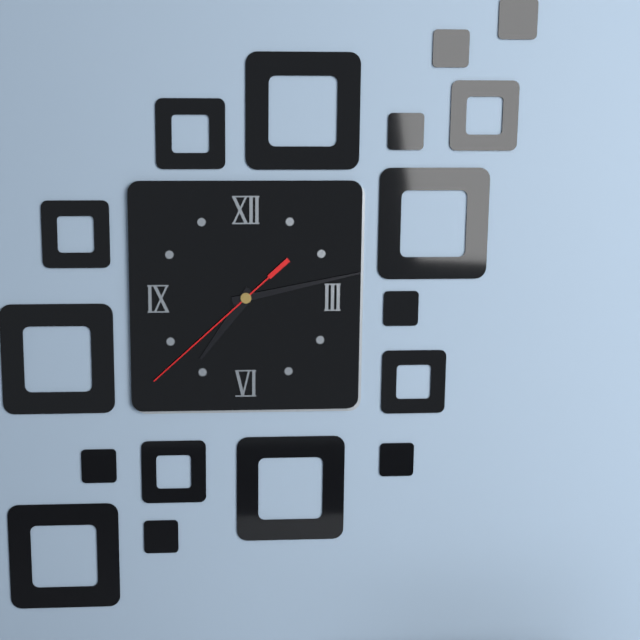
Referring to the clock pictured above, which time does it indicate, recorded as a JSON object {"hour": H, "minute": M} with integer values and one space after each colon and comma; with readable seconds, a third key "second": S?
{"hour": 7, "minute": 13, "second": 38}
